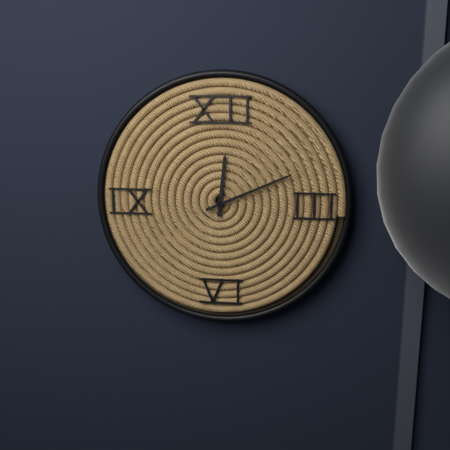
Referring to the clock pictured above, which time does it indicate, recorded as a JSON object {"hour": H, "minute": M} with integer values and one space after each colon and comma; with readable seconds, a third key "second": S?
{"hour": 12, "minute": 11}
